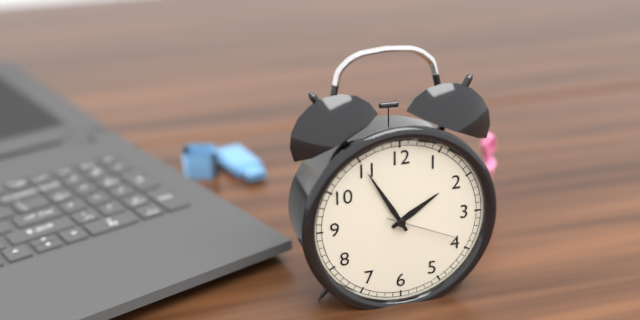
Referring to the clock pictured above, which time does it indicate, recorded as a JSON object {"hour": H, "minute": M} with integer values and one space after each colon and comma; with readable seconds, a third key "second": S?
{"hour": 1, "minute": 55, "second": 19}
